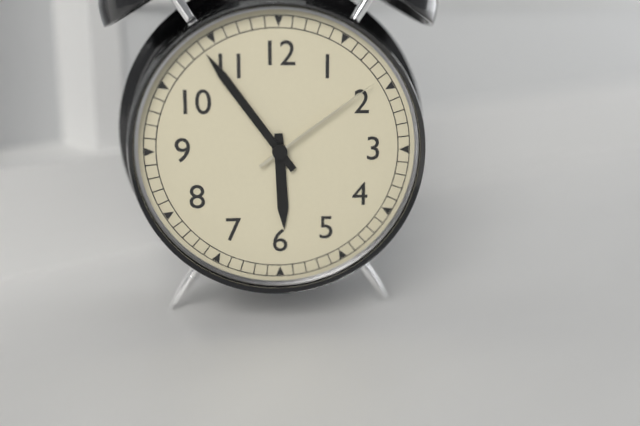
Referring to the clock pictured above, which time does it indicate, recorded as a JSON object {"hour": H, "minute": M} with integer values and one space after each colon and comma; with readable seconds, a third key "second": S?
{"hour": 5, "minute": 54, "second": 9}
